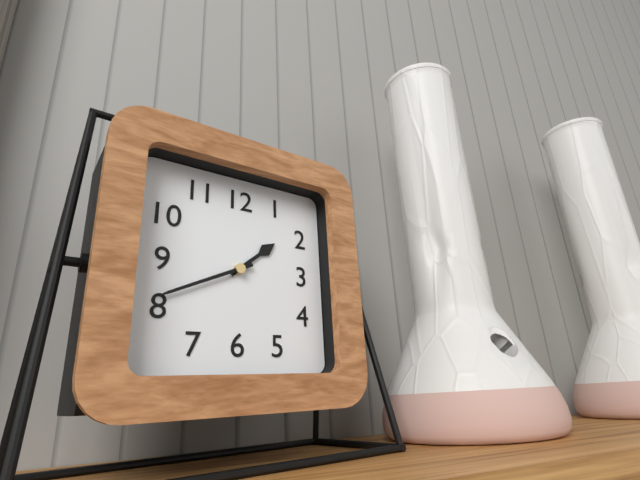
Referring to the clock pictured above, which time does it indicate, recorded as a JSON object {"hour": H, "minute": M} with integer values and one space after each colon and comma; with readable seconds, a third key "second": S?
{"hour": 1, "minute": 41}
